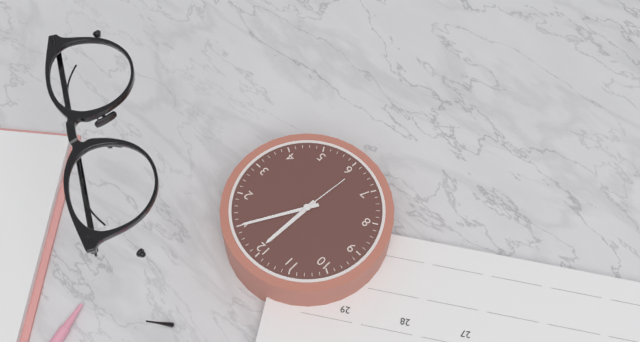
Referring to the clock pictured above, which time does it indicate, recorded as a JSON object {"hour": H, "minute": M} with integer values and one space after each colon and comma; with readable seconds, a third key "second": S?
{"hour": 12, "minute": 5, "second": 31}
